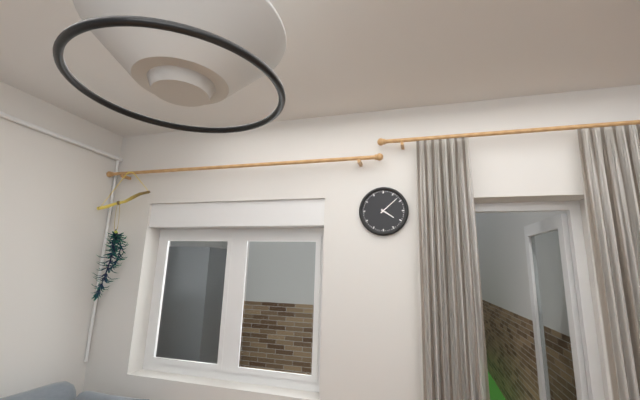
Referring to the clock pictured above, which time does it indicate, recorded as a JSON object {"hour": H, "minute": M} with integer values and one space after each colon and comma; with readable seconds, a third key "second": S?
{"hour": 4, "minute": 8}
